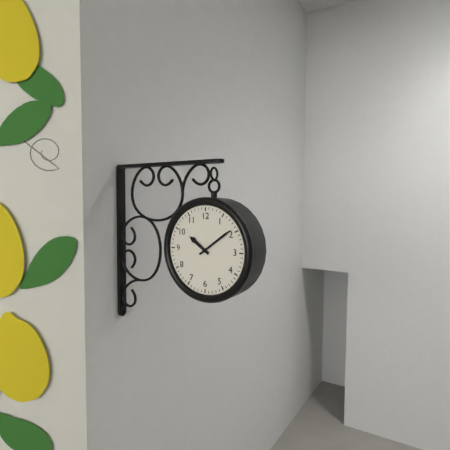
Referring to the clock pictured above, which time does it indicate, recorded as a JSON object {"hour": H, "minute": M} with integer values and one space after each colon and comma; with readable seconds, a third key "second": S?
{"hour": 10, "minute": 9}
